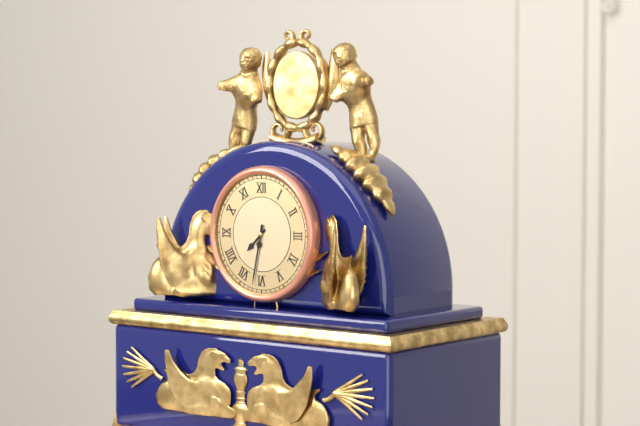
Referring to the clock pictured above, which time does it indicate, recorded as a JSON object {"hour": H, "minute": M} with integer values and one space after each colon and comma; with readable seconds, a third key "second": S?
{"hour": 7, "minute": 32}
